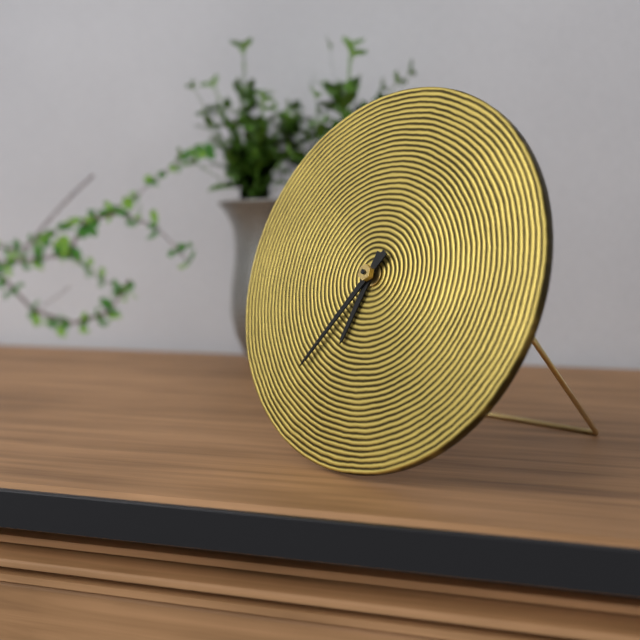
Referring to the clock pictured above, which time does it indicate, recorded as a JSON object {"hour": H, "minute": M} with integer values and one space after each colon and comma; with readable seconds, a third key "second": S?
{"hour": 6, "minute": 36}
